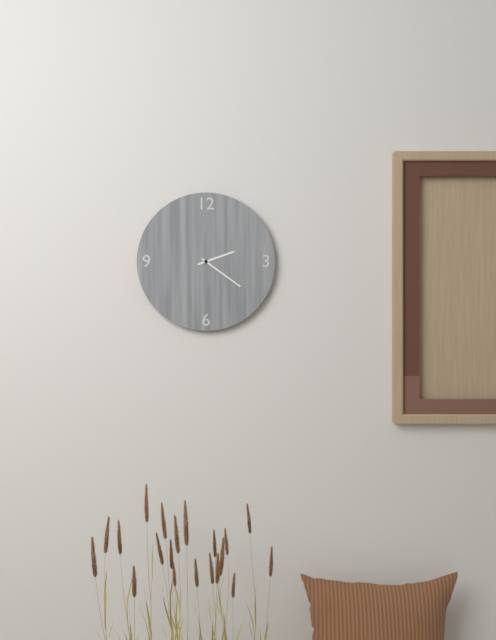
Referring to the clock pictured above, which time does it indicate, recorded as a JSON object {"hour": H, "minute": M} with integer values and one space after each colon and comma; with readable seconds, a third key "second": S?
{"hour": 2, "minute": 21}
